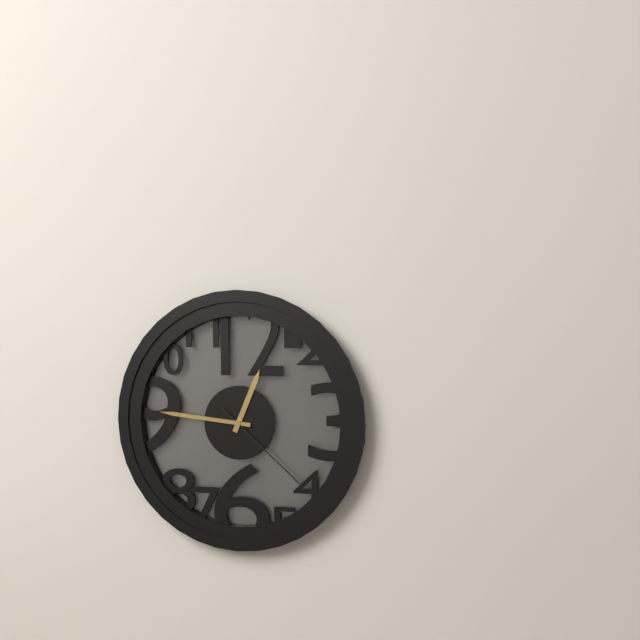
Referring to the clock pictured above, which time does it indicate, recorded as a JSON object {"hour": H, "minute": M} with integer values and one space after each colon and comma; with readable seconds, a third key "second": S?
{"hour": 12, "minute": 46, "second": 22}
